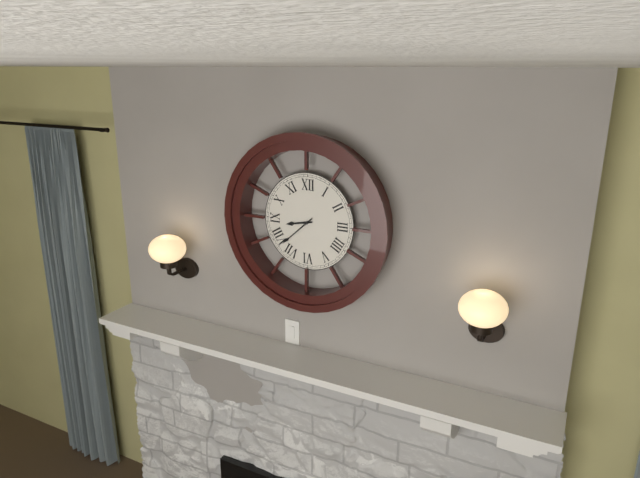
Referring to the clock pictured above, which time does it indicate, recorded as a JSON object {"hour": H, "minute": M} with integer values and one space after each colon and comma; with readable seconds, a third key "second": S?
{"hour": 8, "minute": 38}
